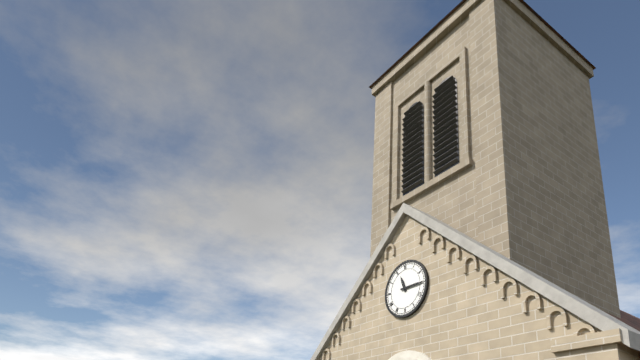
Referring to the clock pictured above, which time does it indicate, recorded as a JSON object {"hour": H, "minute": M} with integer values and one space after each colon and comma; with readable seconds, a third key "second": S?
{"hour": 11, "minute": 15}
